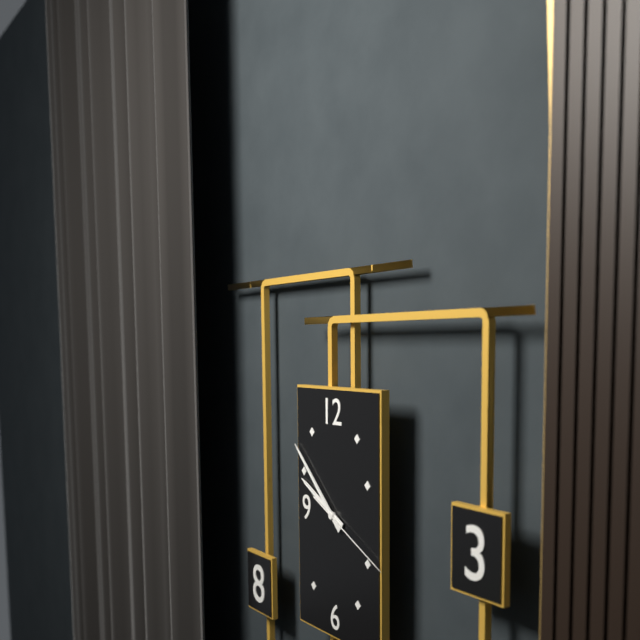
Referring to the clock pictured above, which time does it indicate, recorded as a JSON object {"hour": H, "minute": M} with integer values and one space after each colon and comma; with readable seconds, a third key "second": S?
{"hour": 9, "minute": 52, "second": 19}
